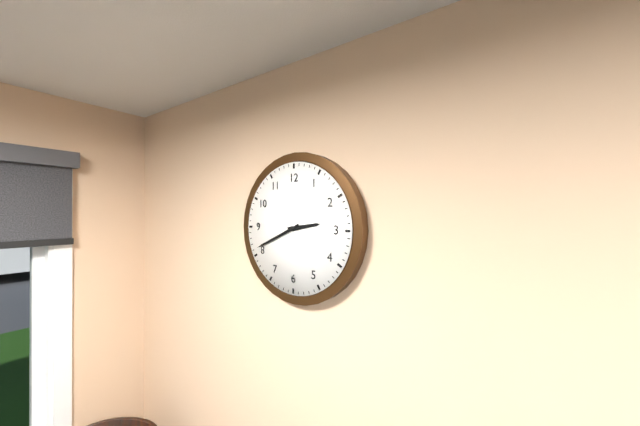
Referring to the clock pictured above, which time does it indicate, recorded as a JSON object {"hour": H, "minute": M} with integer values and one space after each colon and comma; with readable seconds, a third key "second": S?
{"hour": 2, "minute": 41}
